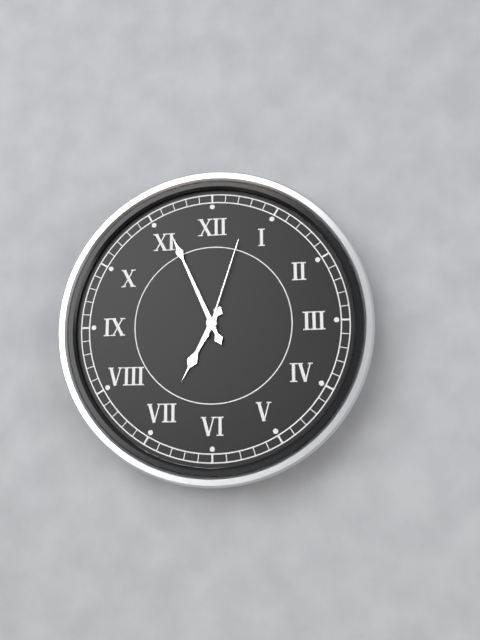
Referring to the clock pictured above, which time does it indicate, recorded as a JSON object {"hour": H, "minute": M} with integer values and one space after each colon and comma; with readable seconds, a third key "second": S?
{"hour": 6, "minute": 56, "second": 3}
